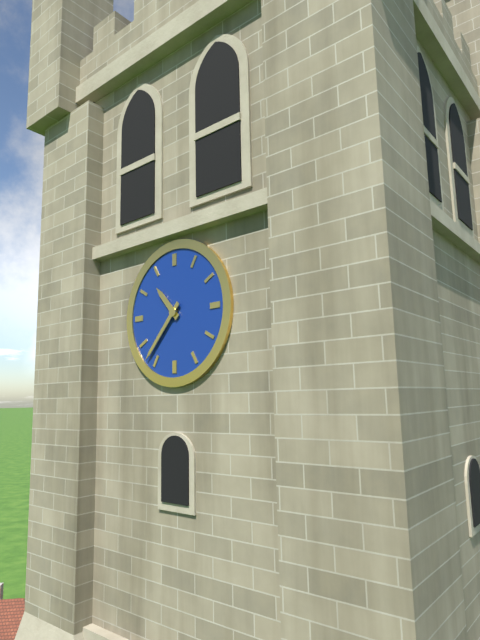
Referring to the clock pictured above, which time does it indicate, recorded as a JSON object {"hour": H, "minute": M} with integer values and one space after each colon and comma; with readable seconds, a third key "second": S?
{"hour": 10, "minute": 37}
